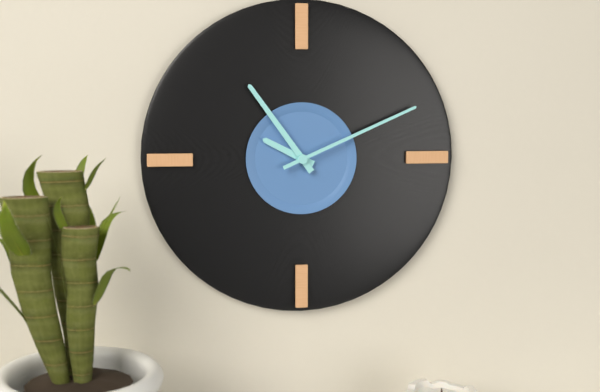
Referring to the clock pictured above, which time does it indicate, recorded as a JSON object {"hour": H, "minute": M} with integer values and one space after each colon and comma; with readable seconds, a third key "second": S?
{"hour": 9, "minute": 54, "second": 11}
